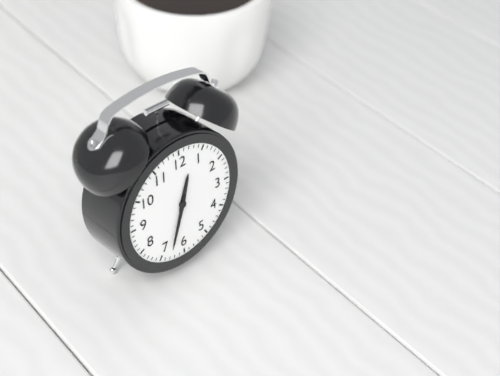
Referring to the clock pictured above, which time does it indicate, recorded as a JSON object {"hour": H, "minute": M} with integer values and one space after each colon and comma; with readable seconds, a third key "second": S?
{"hour": 12, "minute": 33}
